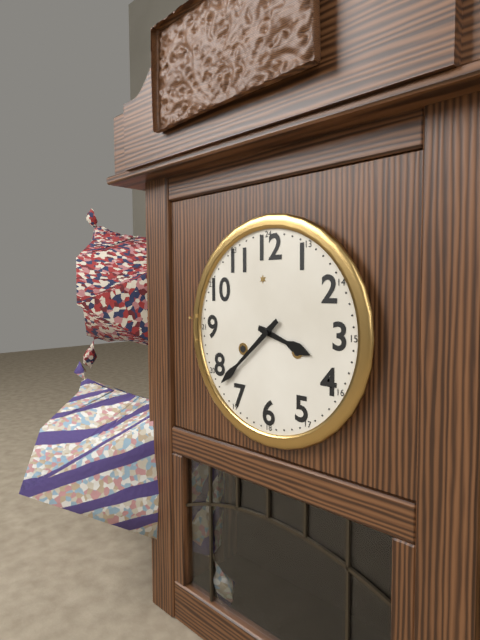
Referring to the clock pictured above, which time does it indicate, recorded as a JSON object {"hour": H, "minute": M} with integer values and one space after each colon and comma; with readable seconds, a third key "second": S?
{"hour": 3, "minute": 38}
